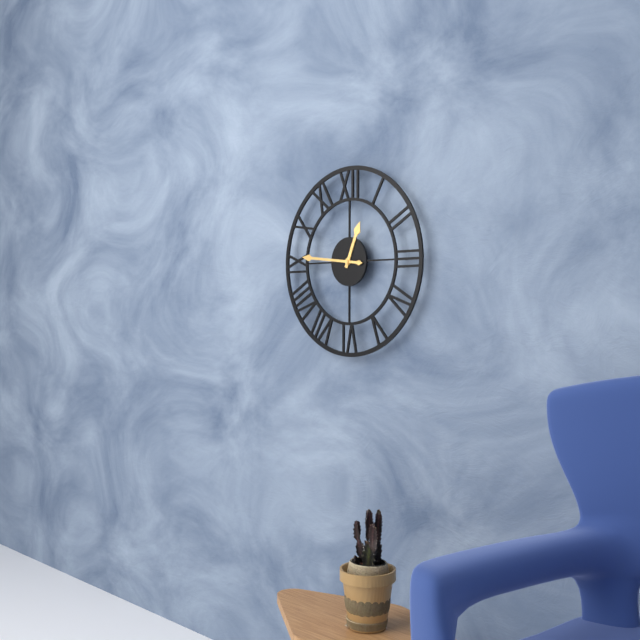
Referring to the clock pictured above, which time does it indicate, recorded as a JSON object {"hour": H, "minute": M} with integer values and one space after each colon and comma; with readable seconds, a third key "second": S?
{"hour": 12, "minute": 46}
